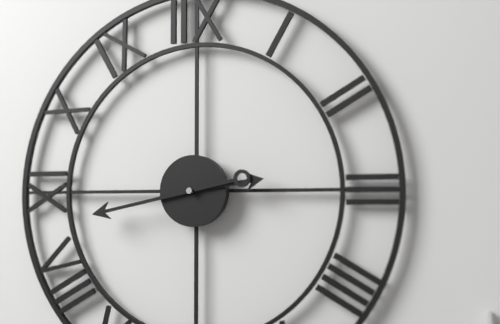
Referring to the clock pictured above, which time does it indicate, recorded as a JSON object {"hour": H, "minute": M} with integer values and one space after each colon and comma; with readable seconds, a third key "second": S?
{"hour": 2, "minute": 43}
